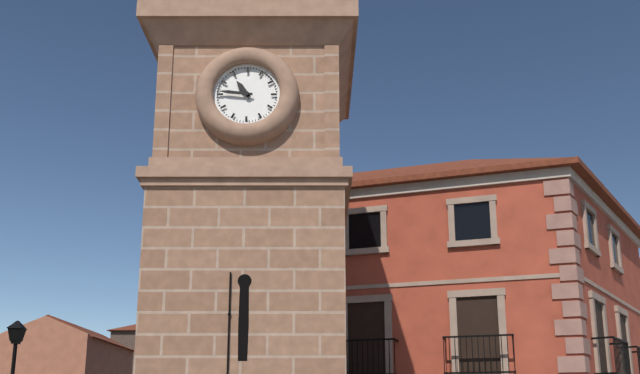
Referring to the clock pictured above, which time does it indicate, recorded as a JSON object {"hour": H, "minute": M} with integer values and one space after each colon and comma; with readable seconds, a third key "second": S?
{"hour": 10, "minute": 46}
